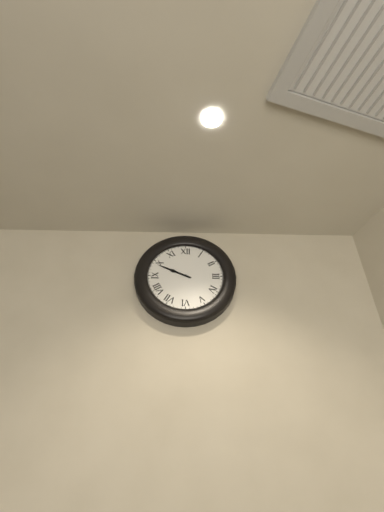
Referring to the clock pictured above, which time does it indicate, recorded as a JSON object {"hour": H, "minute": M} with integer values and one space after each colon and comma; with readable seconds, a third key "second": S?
{"hour": 9, "minute": 49}
